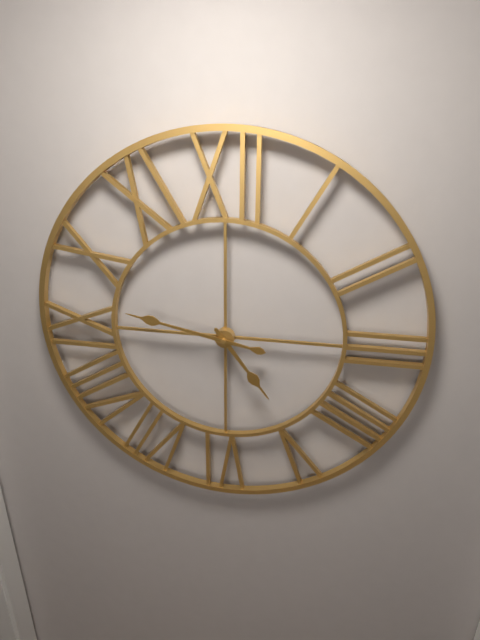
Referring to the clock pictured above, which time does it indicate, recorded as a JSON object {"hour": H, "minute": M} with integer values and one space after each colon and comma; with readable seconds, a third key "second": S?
{"hour": 4, "minute": 47}
